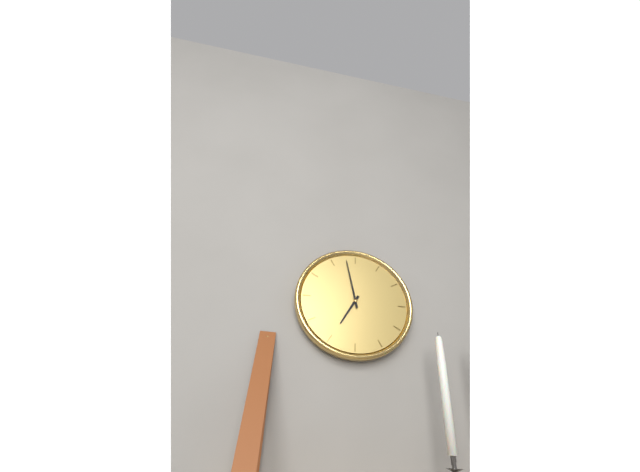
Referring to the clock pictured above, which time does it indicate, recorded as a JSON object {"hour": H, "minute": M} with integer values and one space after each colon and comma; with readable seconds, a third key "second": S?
{"hour": 6, "minute": 58}
